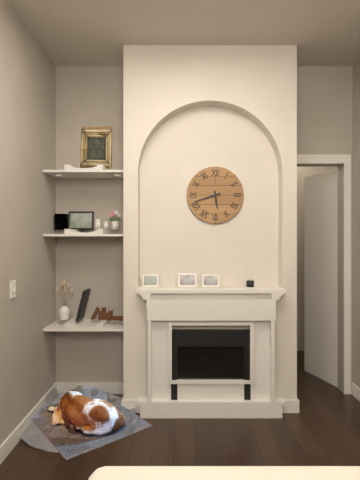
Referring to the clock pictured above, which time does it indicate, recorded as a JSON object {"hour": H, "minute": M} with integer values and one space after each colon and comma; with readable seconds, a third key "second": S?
{"hour": 5, "minute": 42}
